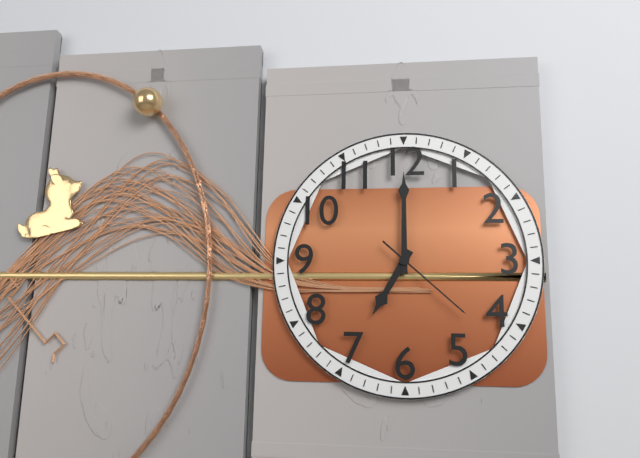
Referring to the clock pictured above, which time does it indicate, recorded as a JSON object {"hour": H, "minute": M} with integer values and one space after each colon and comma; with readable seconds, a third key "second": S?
{"hour": 7, "minute": 0, "second": 22}
